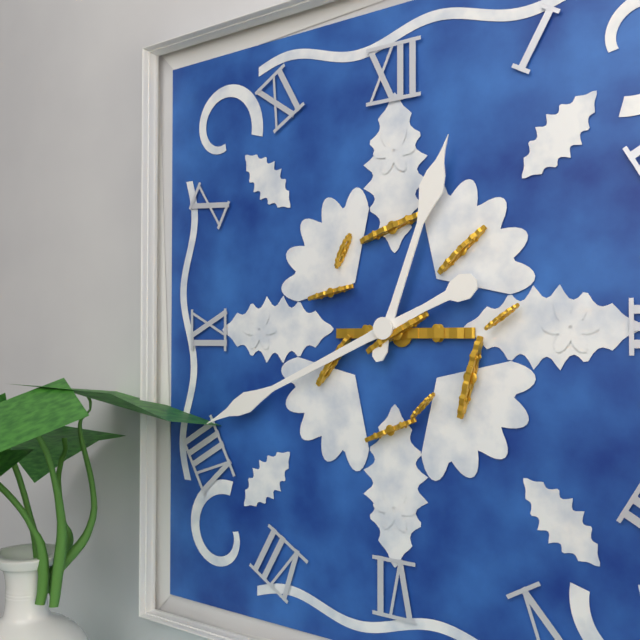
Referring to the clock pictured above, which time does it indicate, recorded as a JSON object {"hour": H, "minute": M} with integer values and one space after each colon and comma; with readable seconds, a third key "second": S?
{"hour": 12, "minute": 41}
